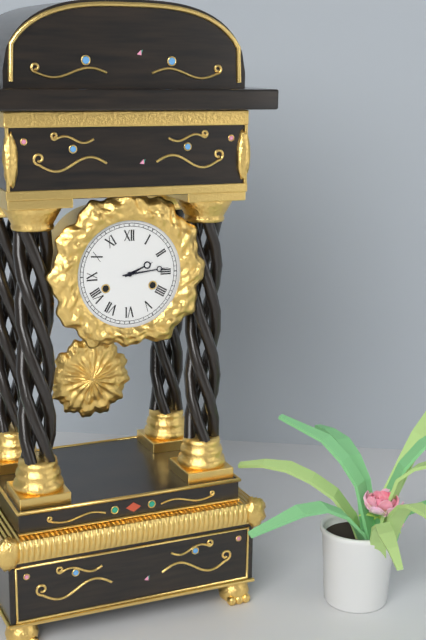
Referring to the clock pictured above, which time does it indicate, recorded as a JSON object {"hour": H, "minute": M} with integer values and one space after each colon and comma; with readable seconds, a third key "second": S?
{"hour": 2, "minute": 14}
